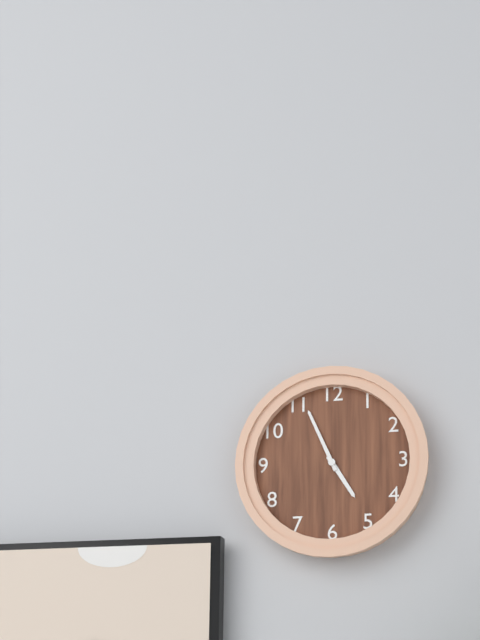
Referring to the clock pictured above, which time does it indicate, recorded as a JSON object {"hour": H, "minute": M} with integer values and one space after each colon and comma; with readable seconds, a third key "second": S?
{"hour": 4, "minute": 56}
